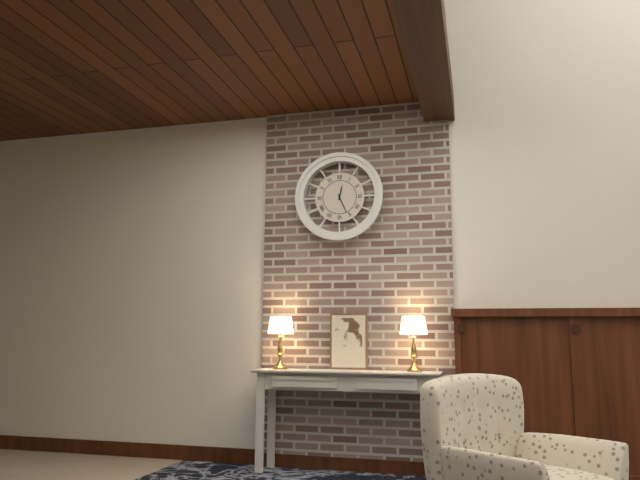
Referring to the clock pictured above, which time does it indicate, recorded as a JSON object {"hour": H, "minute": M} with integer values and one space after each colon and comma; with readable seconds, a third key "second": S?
{"hour": 12, "minute": 26}
